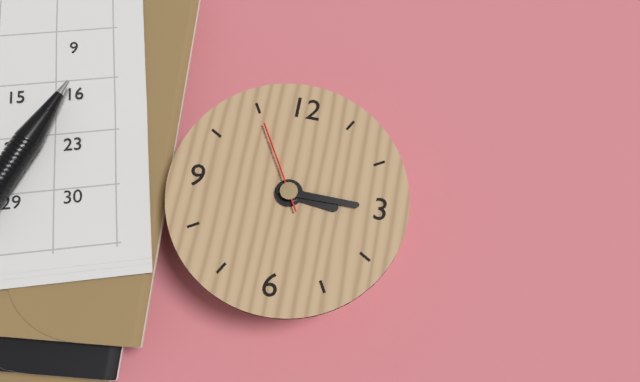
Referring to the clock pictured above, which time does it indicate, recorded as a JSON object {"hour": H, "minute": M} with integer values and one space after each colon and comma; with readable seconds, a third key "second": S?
{"hour": 3, "minute": 15, "second": 55}
